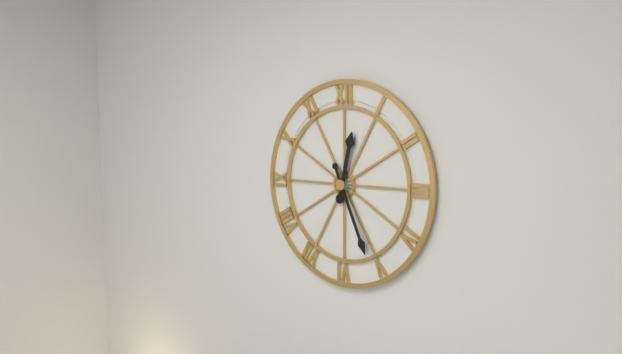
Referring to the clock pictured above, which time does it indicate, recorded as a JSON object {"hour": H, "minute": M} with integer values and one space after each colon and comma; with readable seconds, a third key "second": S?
{"hour": 12, "minute": 26}
